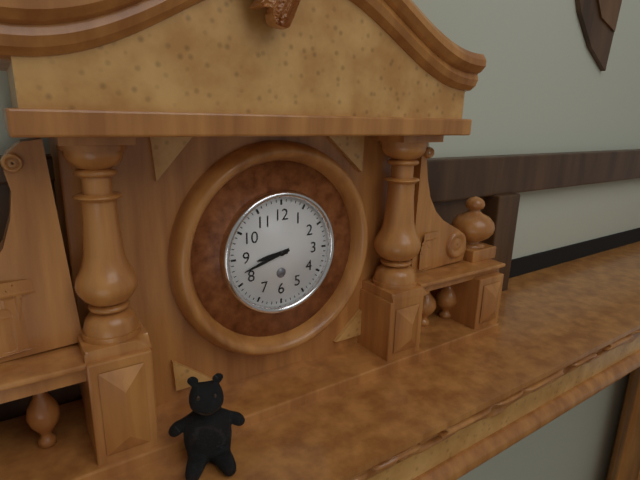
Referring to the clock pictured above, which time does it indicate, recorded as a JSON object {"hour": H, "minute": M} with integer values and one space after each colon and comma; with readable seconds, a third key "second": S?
{"hour": 8, "minute": 42}
